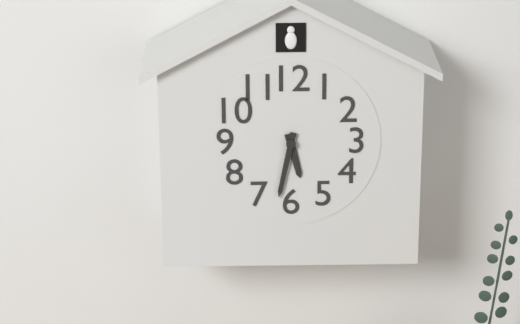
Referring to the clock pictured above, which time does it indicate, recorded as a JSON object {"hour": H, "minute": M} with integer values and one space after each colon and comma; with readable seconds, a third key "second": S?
{"hour": 5, "minute": 32}
